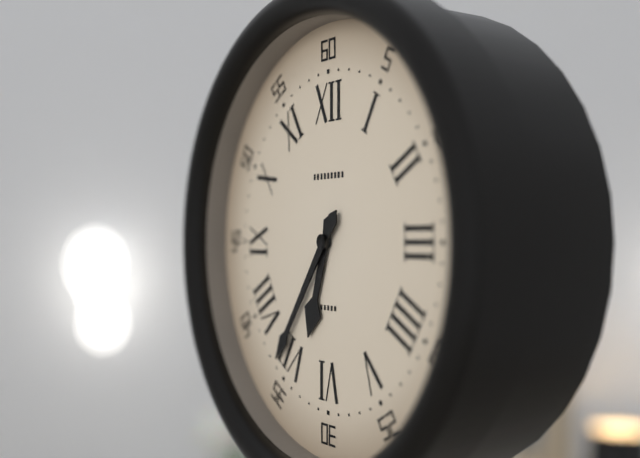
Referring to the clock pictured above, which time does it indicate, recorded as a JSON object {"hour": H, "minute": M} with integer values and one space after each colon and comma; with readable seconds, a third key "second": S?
{"hour": 6, "minute": 36}
